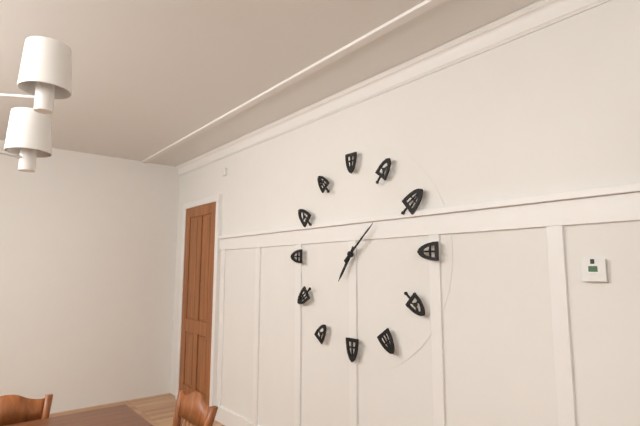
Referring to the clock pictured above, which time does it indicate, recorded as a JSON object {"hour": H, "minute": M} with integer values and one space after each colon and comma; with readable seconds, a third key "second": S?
{"hour": 7, "minute": 8}
